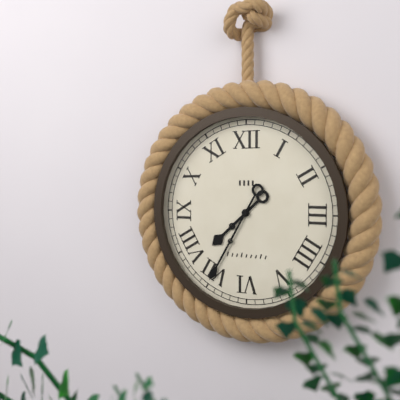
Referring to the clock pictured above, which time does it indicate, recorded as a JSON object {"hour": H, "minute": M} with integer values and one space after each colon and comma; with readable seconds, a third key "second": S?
{"hour": 7, "minute": 35}
